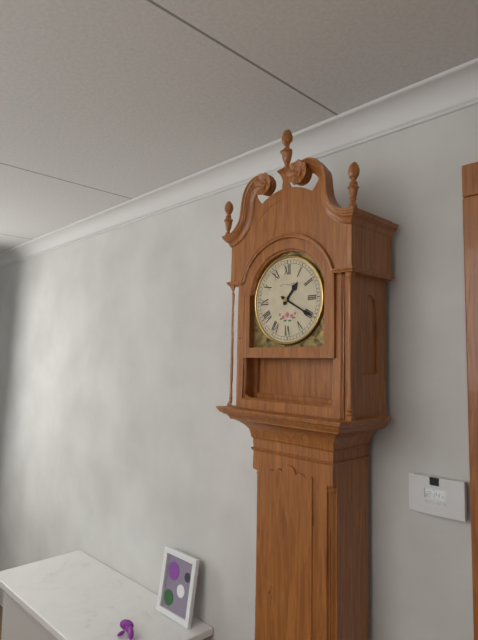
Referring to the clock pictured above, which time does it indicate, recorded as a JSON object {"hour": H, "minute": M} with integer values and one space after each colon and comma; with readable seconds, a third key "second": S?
{"hour": 1, "minute": 20}
